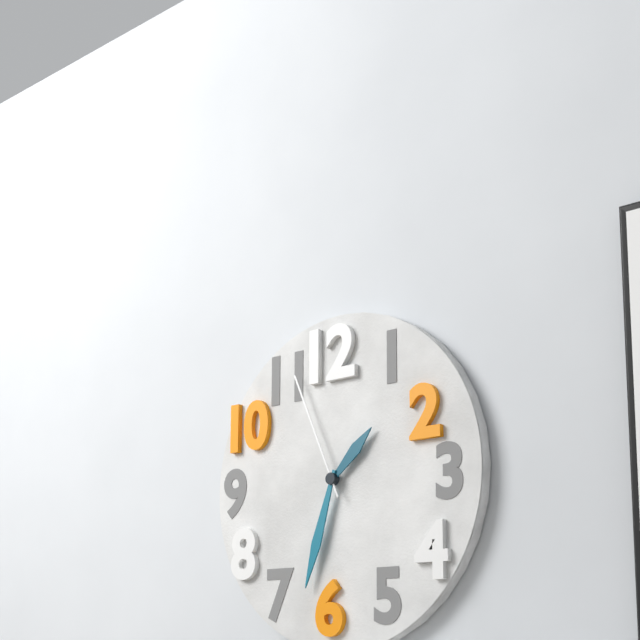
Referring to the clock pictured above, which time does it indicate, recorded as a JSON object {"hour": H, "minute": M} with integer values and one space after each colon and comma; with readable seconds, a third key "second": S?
{"hour": 1, "minute": 33, "second": 56}
